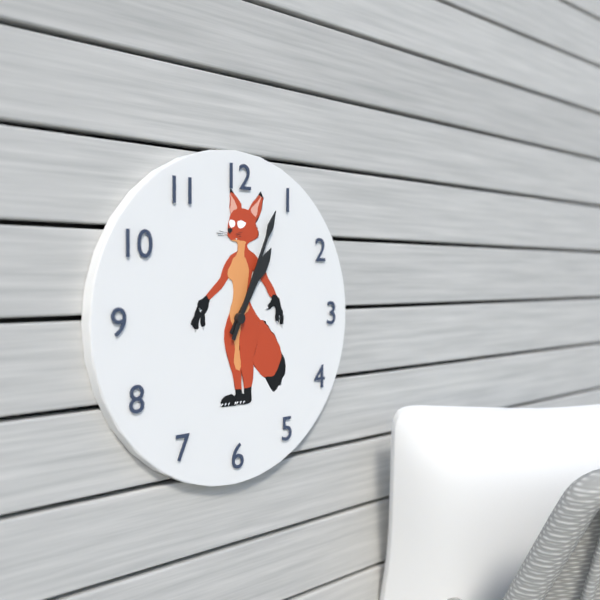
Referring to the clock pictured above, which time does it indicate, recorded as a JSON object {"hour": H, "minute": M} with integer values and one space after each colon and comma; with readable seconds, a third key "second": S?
{"hour": 1, "minute": 4}
